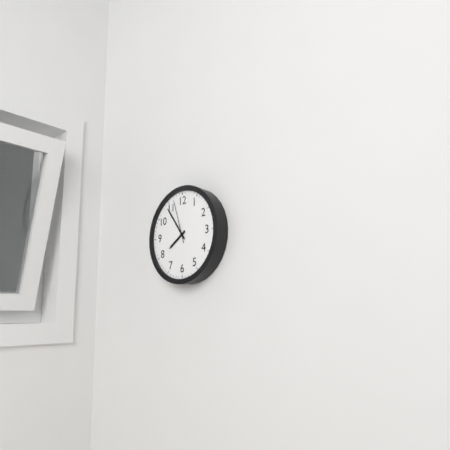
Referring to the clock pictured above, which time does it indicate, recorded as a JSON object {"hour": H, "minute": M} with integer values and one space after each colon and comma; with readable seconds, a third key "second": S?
{"hour": 7, "minute": 54}
